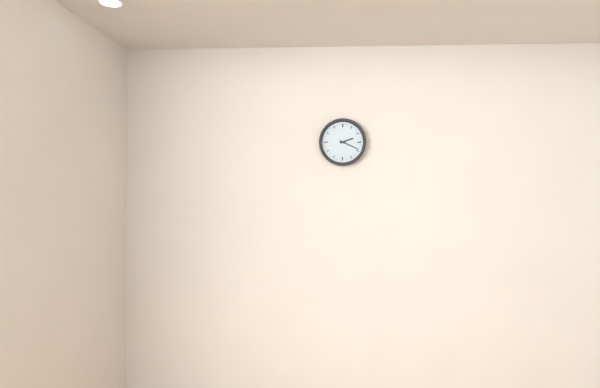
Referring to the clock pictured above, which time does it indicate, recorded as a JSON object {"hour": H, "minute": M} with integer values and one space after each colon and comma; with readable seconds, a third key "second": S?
{"hour": 2, "minute": 19}
